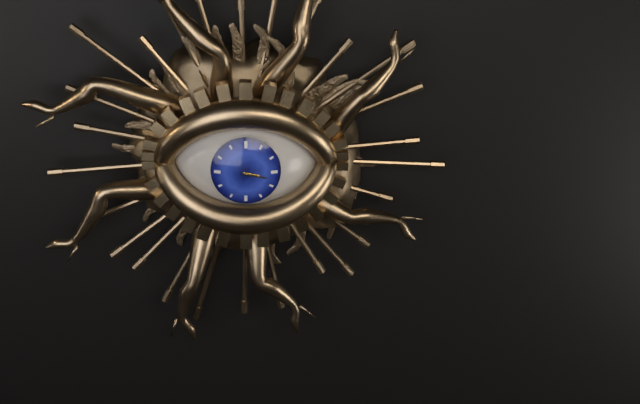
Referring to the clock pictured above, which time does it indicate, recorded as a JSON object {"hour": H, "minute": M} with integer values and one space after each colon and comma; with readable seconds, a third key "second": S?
{"hour": 3, "minute": 17}
